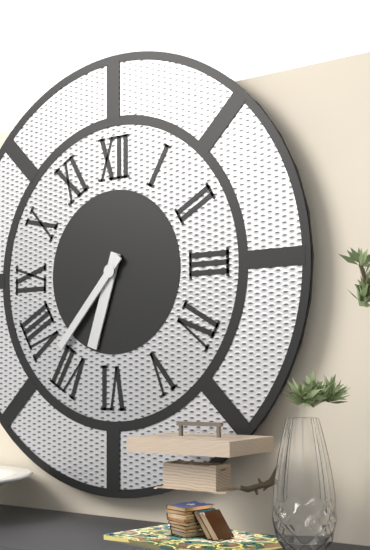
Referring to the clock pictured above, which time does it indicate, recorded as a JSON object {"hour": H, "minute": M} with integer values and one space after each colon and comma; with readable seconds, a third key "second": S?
{"hour": 6, "minute": 37}
